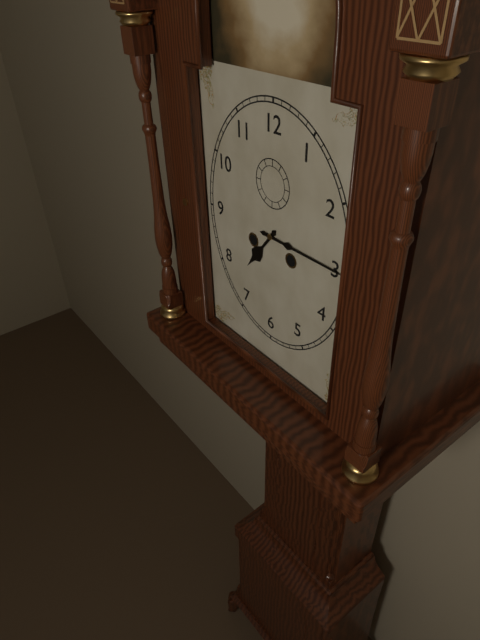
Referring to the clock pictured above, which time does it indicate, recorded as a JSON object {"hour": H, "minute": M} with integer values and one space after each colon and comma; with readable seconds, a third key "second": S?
{"hour": 7, "minute": 15}
